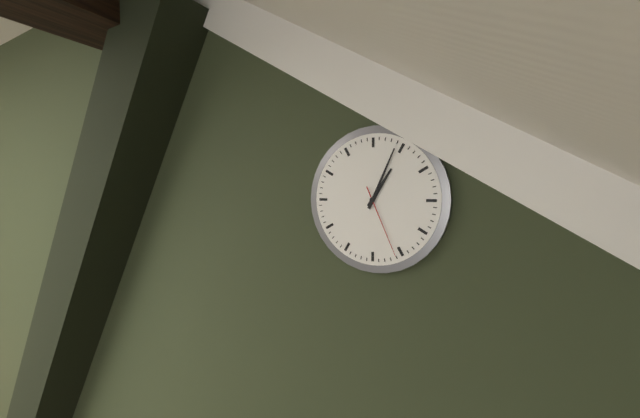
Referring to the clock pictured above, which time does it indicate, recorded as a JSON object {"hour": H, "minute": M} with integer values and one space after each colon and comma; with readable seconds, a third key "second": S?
{"hour": 1, "minute": 4, "second": 26}
